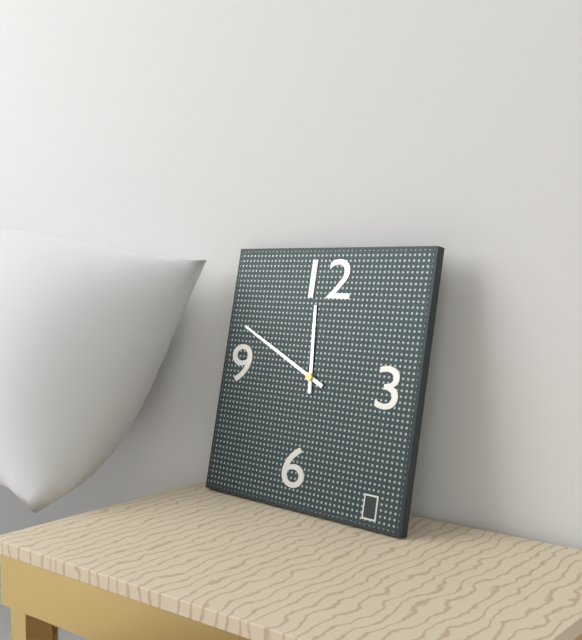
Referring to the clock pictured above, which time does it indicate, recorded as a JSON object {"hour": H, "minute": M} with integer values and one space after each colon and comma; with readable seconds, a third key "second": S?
{"hour": 11, "minute": 49}
